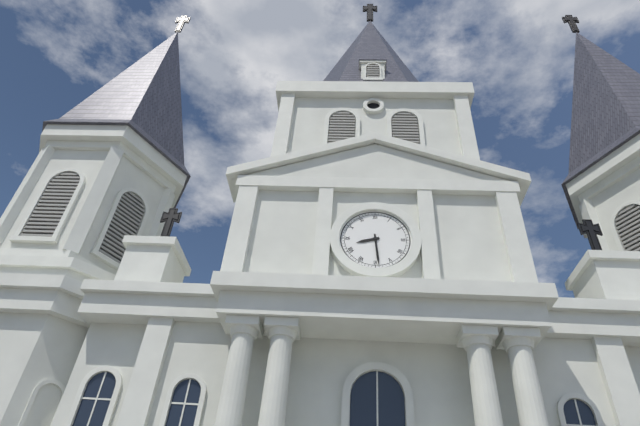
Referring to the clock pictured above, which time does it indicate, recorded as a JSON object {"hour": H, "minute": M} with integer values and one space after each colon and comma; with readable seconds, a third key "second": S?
{"hour": 8, "minute": 29}
